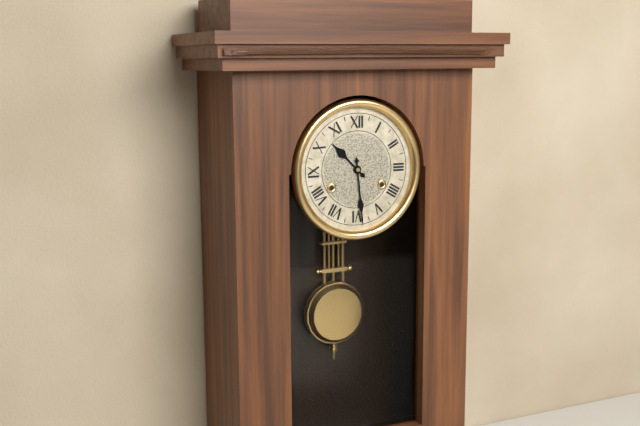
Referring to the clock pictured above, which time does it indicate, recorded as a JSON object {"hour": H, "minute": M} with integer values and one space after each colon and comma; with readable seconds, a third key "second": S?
{"hour": 10, "minute": 29}
